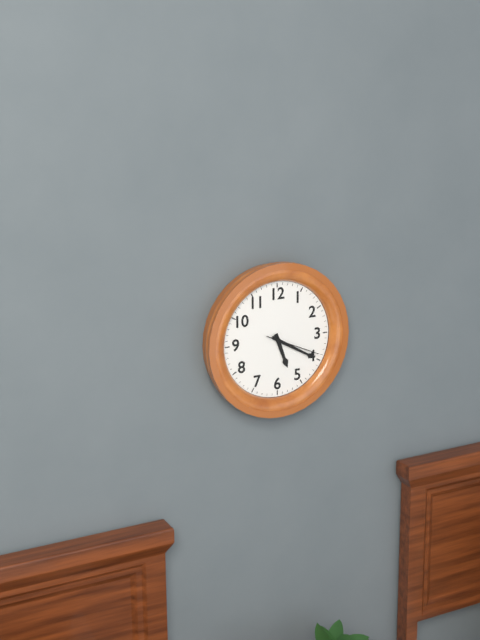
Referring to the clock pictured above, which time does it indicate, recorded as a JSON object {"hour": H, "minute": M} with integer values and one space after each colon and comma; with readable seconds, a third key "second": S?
{"hour": 5, "minute": 20, "second": 19}
